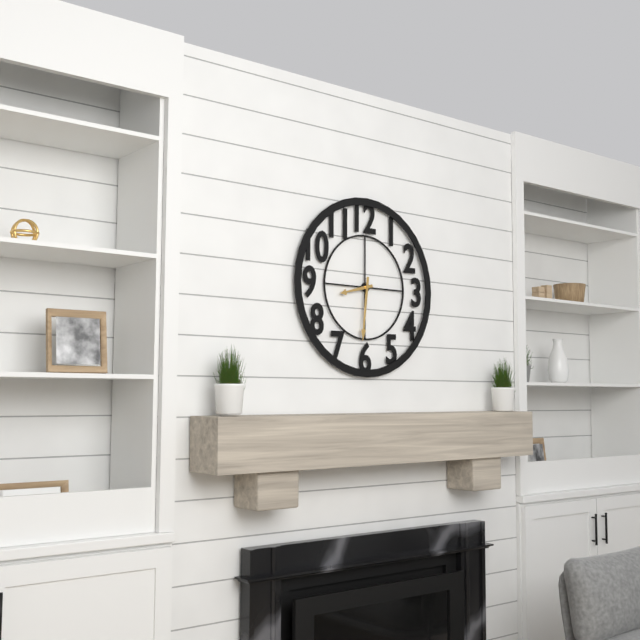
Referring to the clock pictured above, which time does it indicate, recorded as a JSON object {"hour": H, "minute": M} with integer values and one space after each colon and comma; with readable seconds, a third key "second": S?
{"hour": 8, "minute": 31}
